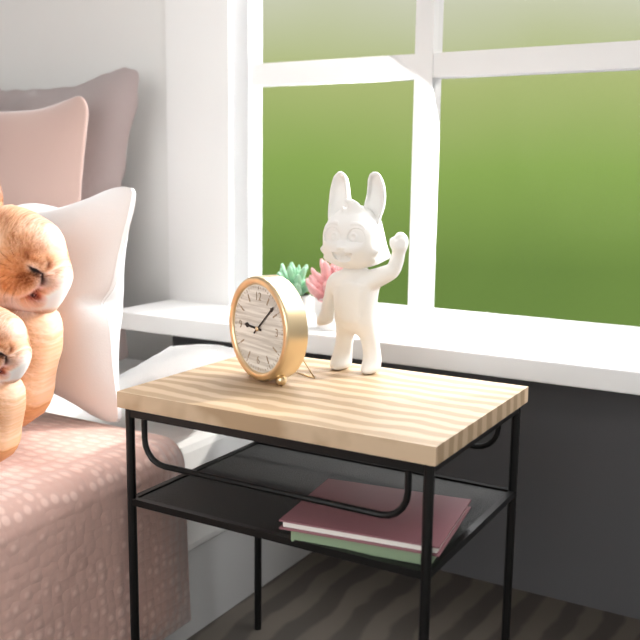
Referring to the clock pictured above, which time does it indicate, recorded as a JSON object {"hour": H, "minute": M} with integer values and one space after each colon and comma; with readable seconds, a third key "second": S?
{"hour": 9, "minute": 8}
